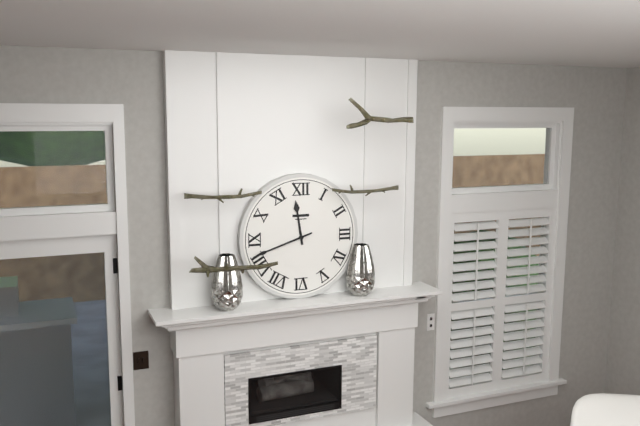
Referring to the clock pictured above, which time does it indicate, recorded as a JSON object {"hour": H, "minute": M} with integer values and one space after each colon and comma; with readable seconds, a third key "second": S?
{"hour": 11, "minute": 42}
